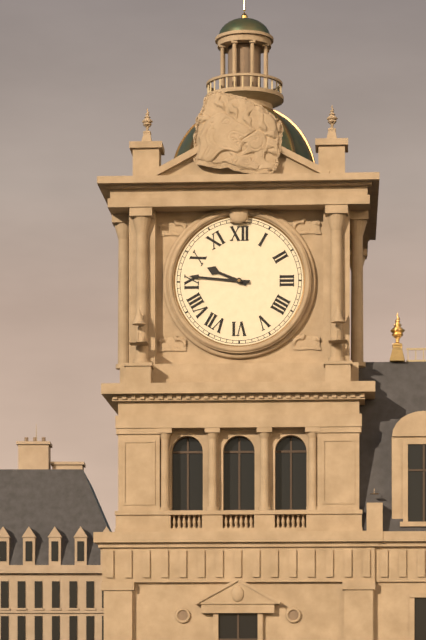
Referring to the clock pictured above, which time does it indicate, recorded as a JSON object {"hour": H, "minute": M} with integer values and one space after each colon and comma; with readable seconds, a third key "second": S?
{"hour": 9, "minute": 46}
